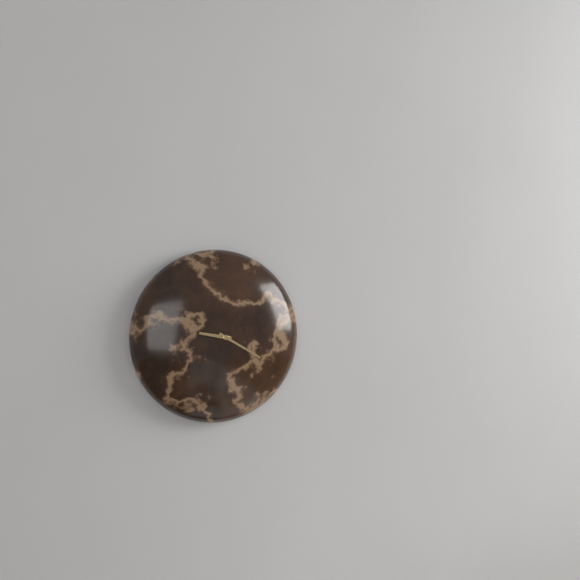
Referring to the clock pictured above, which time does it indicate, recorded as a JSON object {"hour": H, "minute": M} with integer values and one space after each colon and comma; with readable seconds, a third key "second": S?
{"hour": 9, "minute": 20}
